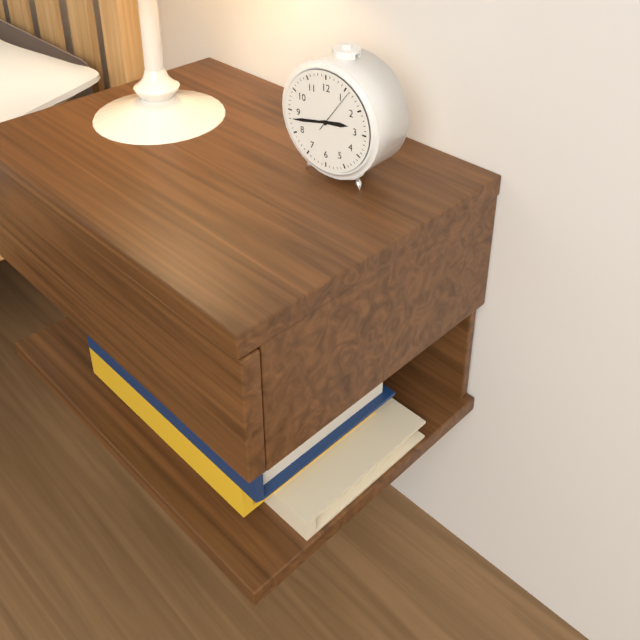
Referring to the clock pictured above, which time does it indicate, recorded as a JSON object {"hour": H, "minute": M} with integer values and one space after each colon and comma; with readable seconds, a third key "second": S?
{"hour": 2, "minute": 43}
